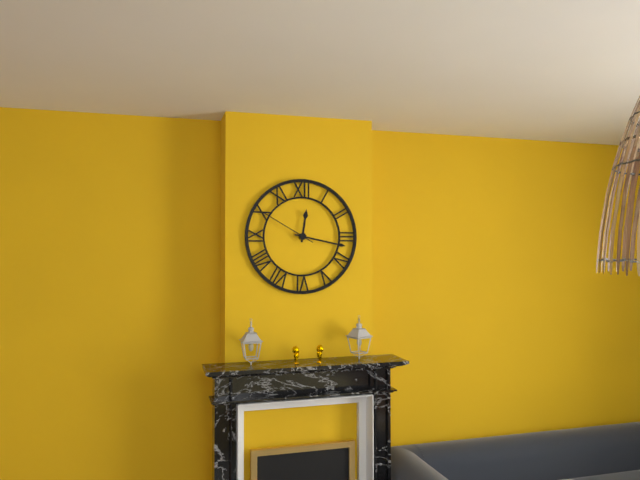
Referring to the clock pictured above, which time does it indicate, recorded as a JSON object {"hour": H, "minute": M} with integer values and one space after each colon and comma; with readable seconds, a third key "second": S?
{"hour": 12, "minute": 17, "second": 50}
